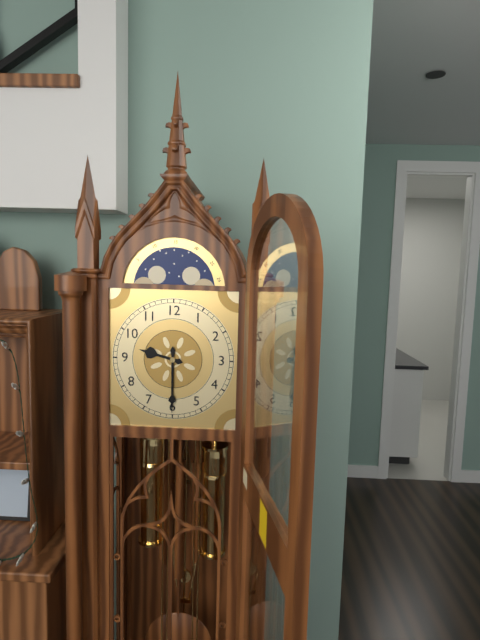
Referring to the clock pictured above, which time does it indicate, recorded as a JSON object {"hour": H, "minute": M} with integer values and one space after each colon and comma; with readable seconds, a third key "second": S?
{"hour": 9, "minute": 30}
